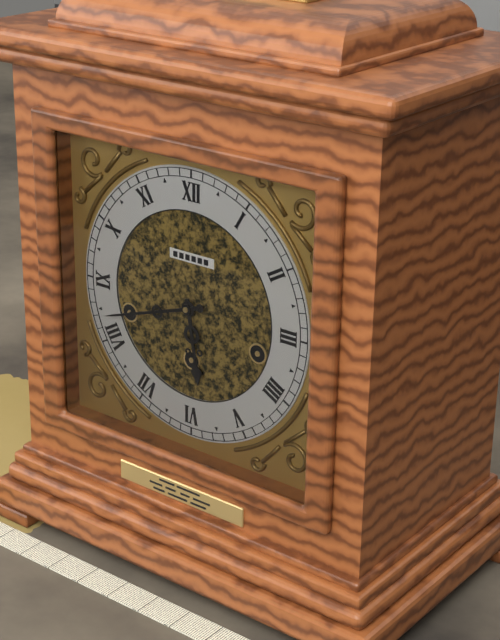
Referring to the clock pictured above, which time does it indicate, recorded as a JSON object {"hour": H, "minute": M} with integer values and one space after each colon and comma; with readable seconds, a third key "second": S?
{"hour": 5, "minute": 42}
